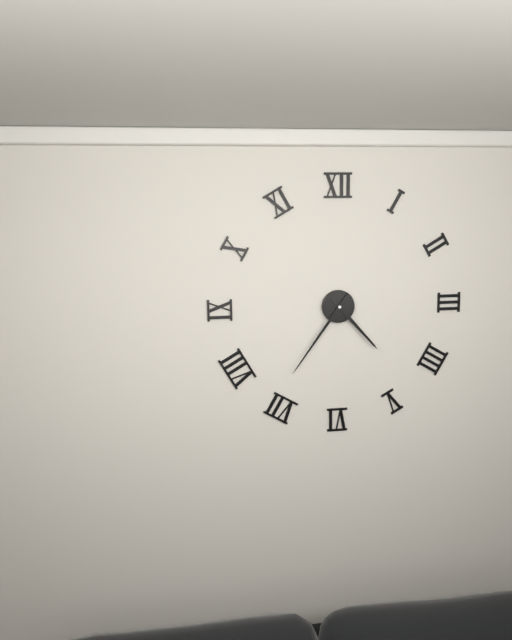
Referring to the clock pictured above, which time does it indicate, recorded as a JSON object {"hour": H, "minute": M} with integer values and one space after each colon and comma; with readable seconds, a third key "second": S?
{"hour": 4, "minute": 36}
